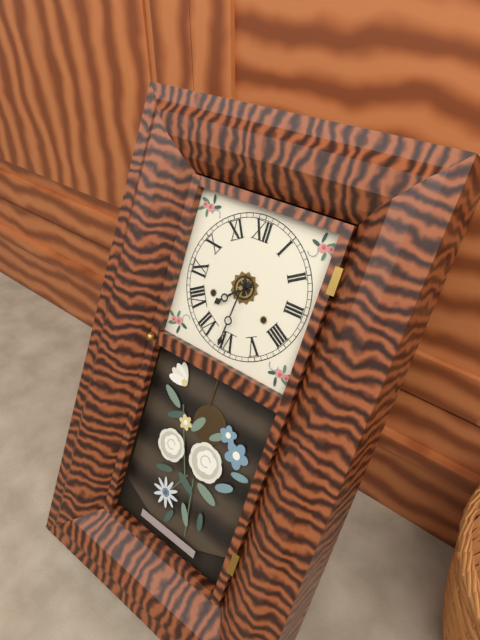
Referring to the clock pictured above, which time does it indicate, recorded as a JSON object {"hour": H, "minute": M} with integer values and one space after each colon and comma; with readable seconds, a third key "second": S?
{"hour": 7, "minute": 31}
